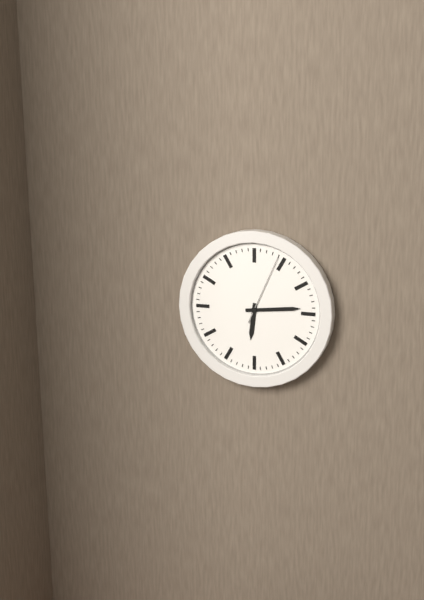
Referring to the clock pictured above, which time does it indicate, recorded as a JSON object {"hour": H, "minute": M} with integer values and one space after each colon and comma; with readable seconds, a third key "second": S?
{"hour": 6, "minute": 14, "second": 4}
